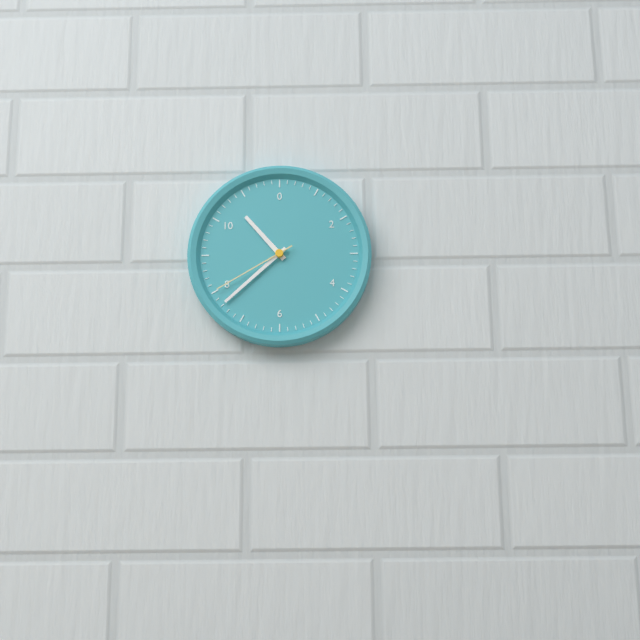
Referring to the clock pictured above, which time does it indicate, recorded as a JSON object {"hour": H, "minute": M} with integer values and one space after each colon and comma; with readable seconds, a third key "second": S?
{"hour": 10, "minute": 38, "second": 40}
